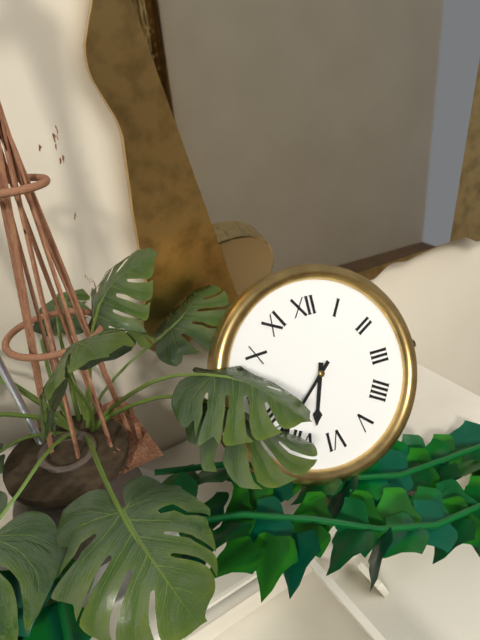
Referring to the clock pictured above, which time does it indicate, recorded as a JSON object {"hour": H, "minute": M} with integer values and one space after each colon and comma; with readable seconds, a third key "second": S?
{"hour": 6, "minute": 38}
